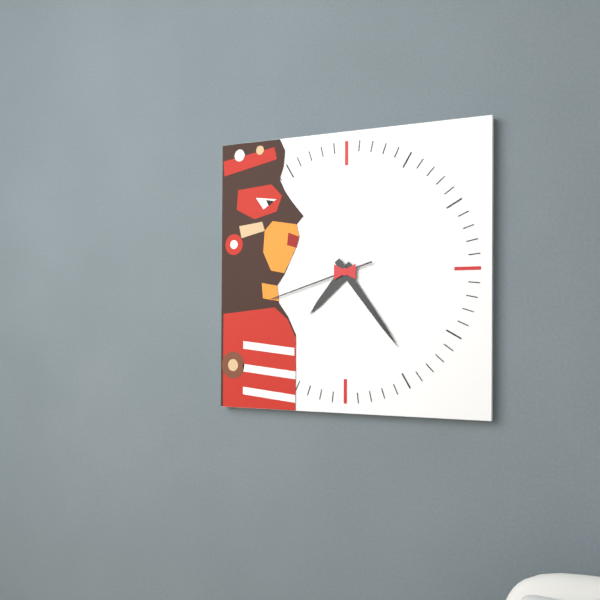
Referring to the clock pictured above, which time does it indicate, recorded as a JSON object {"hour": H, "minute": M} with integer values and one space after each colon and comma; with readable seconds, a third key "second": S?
{"hour": 7, "minute": 24, "second": 42}
